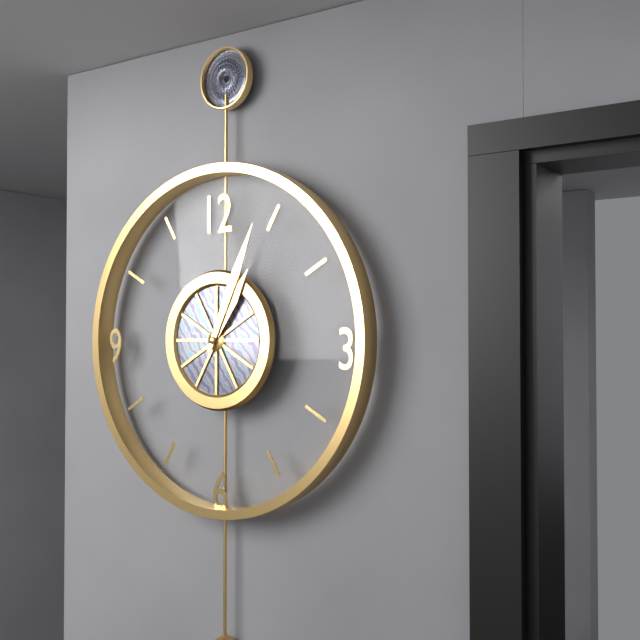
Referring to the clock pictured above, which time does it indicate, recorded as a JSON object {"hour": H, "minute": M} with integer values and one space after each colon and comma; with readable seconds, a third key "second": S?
{"hour": 1, "minute": 4}
